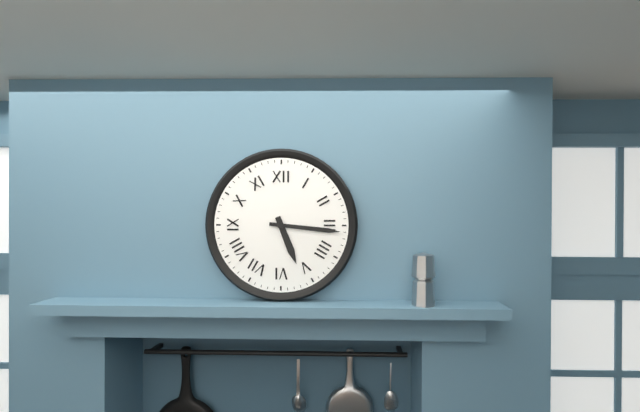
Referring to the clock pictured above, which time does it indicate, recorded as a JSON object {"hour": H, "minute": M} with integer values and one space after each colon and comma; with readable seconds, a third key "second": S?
{"hour": 5, "minute": 16}
